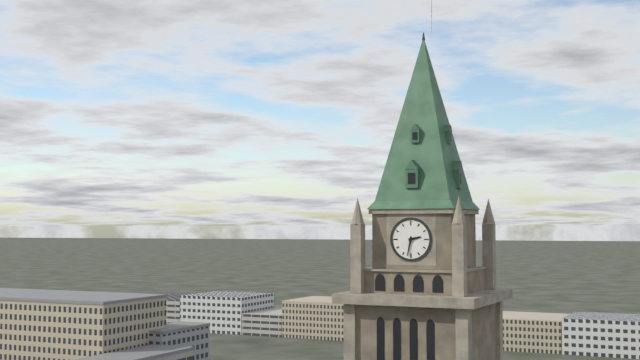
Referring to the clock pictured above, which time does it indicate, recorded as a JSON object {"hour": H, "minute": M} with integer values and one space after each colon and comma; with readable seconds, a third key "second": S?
{"hour": 2, "minute": 32}
